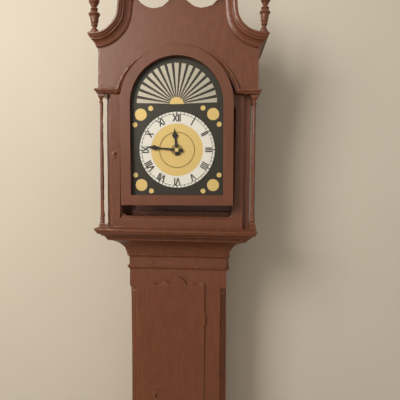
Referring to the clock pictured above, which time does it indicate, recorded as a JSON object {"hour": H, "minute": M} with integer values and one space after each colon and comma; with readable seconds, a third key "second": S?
{"hour": 11, "minute": 46}
